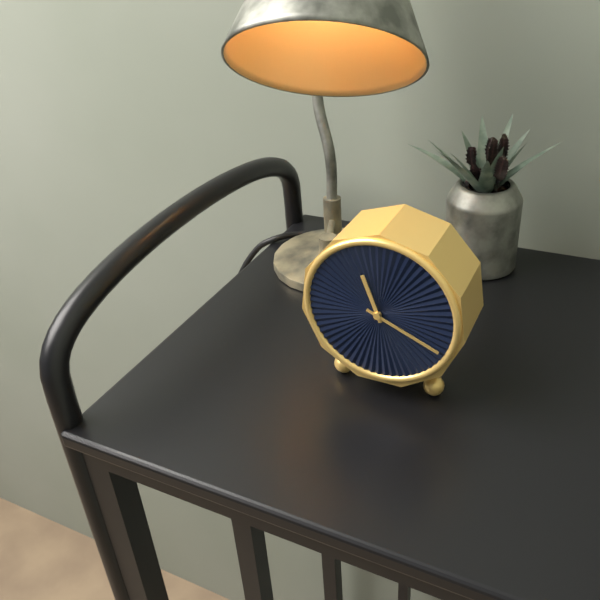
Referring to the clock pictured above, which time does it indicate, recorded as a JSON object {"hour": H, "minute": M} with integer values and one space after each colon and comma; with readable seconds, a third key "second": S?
{"hour": 11, "minute": 19}
